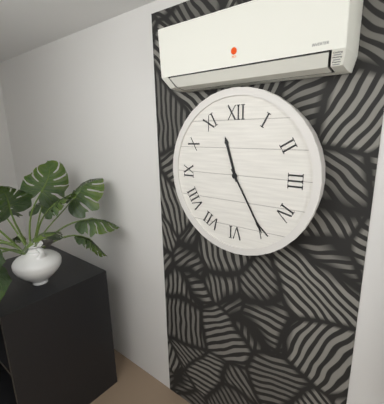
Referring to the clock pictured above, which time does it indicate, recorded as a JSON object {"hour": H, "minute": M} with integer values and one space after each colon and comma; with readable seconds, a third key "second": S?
{"hour": 11, "minute": 25}
